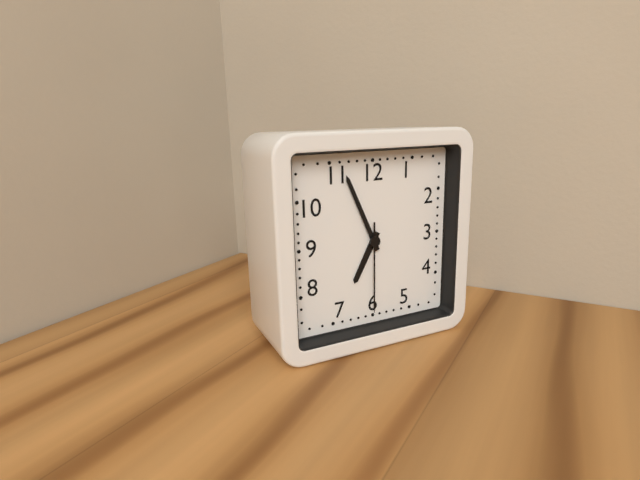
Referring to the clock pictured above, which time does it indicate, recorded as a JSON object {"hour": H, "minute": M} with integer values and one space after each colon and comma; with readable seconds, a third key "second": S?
{"hour": 6, "minute": 56, "second": 30}
